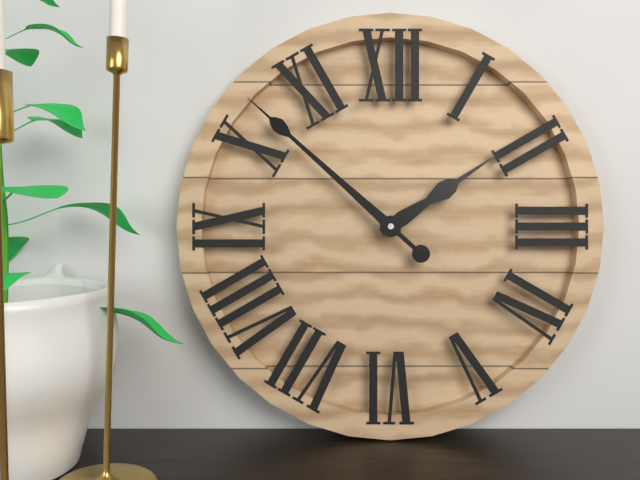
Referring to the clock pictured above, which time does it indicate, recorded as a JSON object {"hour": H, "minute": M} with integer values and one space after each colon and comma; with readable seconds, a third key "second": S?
{"hour": 1, "minute": 52}
